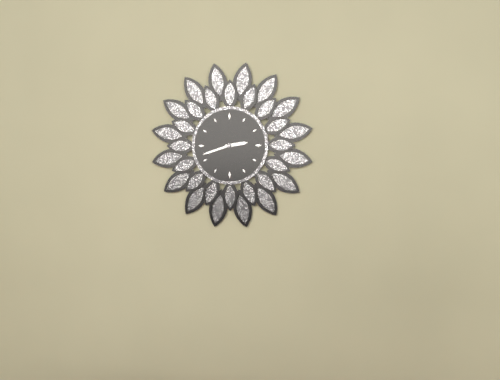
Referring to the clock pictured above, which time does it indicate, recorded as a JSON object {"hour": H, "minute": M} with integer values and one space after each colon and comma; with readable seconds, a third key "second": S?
{"hour": 2, "minute": 42}
